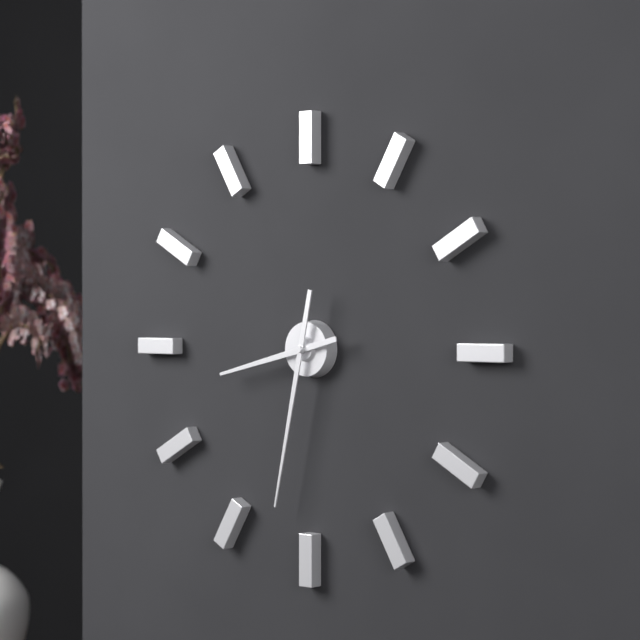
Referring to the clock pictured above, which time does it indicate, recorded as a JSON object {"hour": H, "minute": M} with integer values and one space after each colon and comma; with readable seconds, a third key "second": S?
{"hour": 8, "minute": 32}
